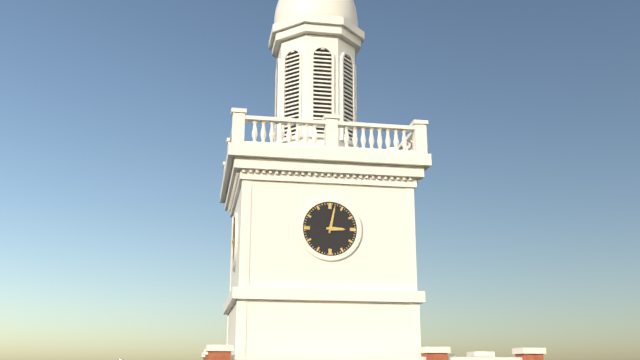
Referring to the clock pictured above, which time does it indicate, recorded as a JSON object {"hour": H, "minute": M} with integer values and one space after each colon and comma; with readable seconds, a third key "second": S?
{"hour": 3, "minute": 2}
